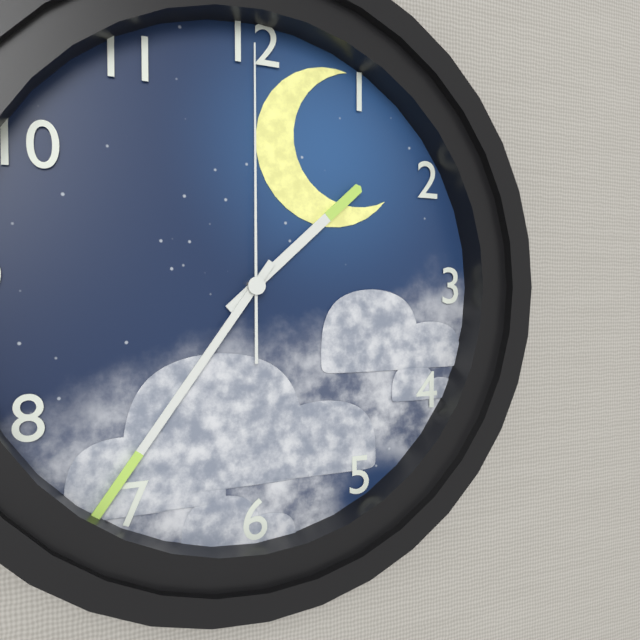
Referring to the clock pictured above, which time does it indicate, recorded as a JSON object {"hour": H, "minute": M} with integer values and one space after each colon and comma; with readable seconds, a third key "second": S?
{"hour": 1, "minute": 36, "second": 0}
